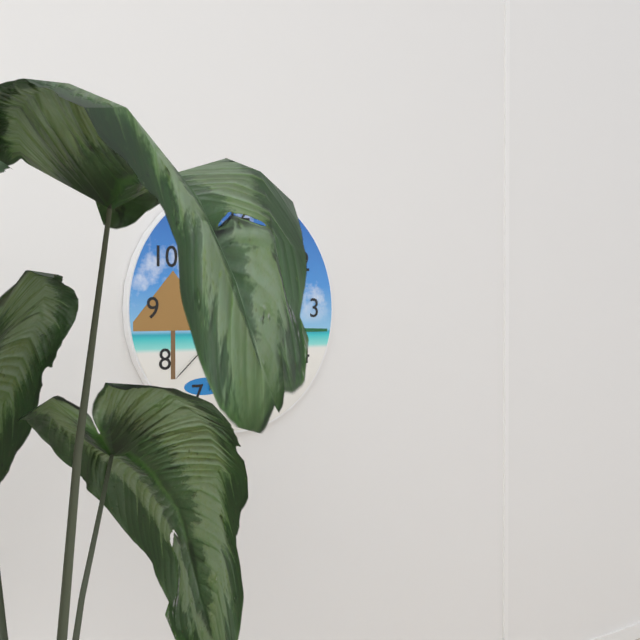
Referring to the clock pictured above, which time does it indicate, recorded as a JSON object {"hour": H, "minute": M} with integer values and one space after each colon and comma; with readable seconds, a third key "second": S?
{"hour": 6, "minute": 34, "second": 38}
